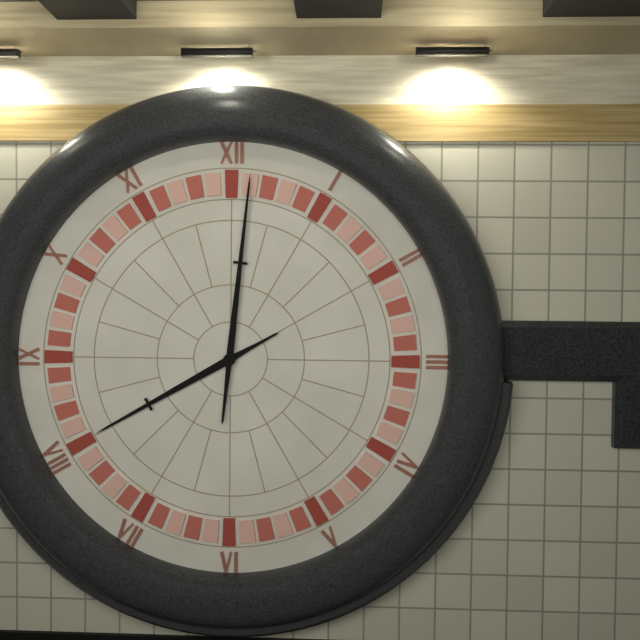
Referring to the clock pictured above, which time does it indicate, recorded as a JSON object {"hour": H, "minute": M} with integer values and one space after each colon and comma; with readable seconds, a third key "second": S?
{"hour": 8, "minute": 1}
